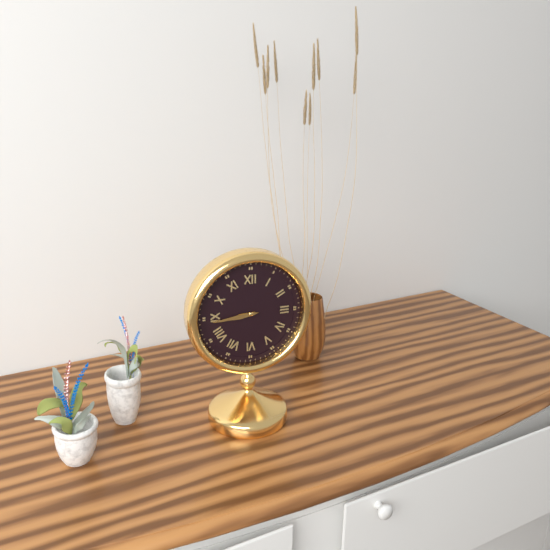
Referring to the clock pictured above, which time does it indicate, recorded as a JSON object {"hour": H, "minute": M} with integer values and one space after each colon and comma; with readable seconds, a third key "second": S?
{"hour": 8, "minute": 44}
